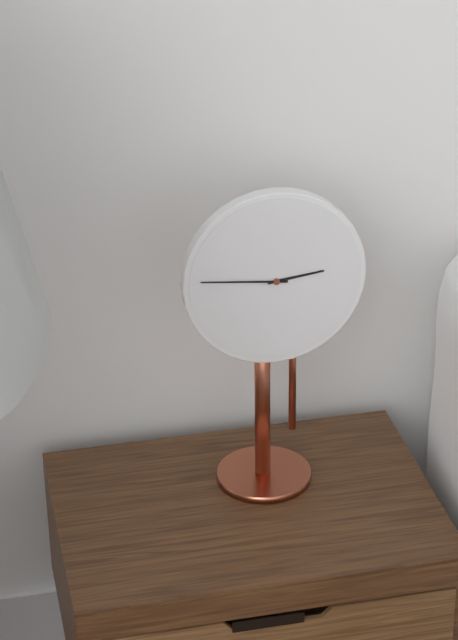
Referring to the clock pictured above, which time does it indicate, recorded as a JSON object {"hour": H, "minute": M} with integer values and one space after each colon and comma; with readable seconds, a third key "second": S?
{"hour": 2, "minute": 46}
